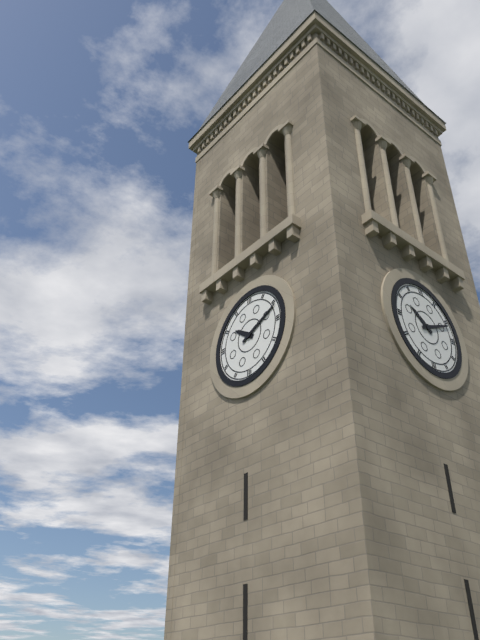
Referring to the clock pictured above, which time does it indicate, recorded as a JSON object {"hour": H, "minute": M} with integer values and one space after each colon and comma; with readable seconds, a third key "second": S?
{"hour": 10, "minute": 11}
